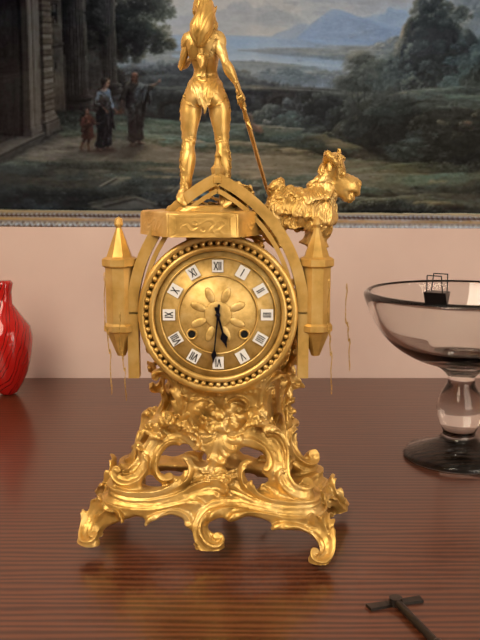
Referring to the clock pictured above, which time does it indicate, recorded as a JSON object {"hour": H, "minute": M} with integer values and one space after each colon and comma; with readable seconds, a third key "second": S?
{"hour": 5, "minute": 31}
